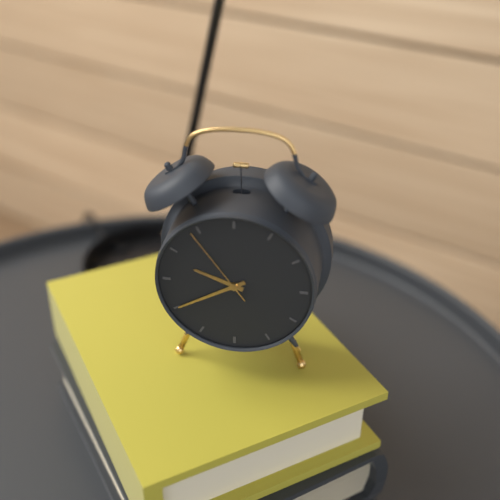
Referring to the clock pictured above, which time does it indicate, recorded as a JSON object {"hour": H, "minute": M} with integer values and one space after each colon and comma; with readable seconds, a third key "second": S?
{"hour": 9, "minute": 40, "second": 54}
